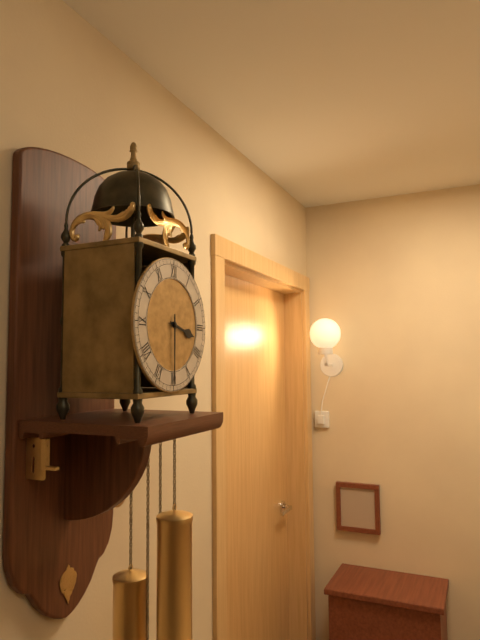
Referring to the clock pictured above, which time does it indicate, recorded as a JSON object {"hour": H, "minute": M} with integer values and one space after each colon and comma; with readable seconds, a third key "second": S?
{"hour": 3, "minute": 30}
